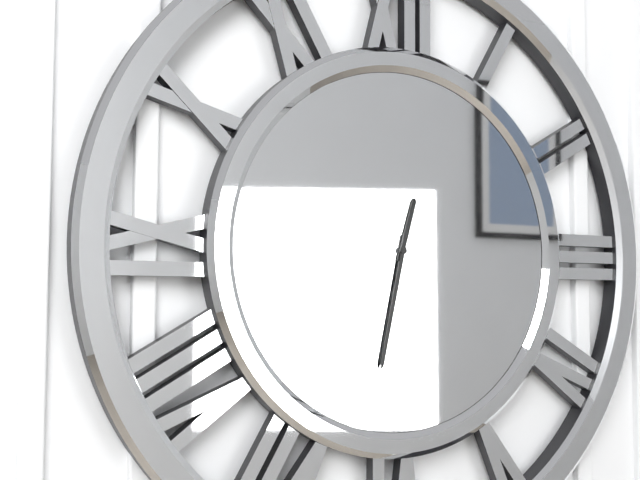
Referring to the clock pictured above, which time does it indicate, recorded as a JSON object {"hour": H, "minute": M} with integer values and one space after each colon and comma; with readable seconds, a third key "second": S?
{"hour": 12, "minute": 32}
